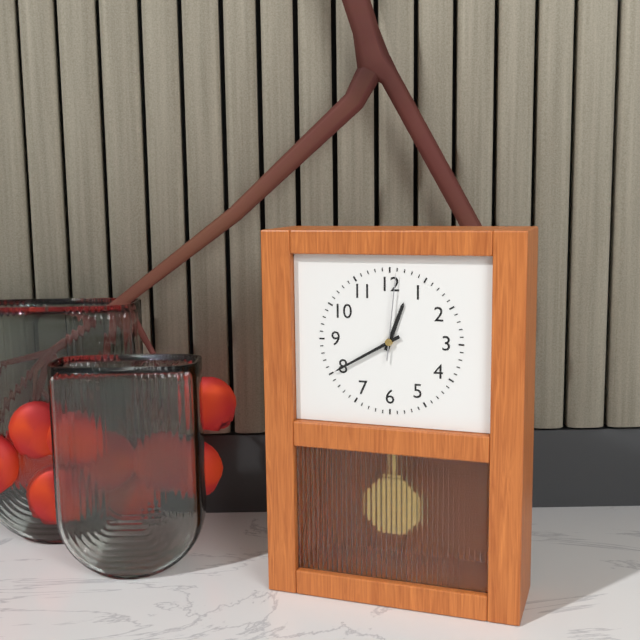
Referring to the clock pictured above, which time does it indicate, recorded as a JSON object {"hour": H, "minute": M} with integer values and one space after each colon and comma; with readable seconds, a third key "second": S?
{"hour": 12, "minute": 40, "second": 1}
